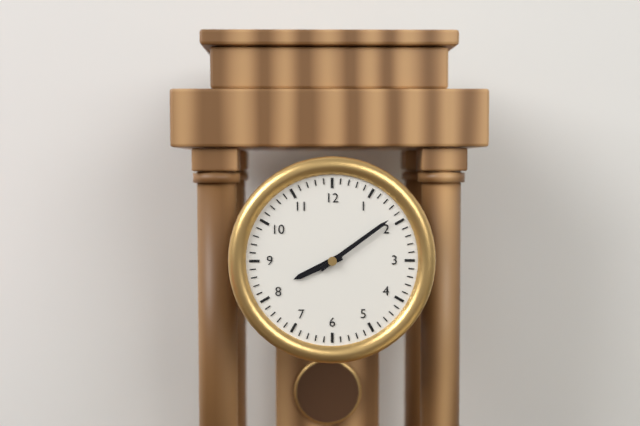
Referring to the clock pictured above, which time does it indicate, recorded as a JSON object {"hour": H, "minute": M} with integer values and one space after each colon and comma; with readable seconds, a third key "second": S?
{"hour": 8, "minute": 9}
